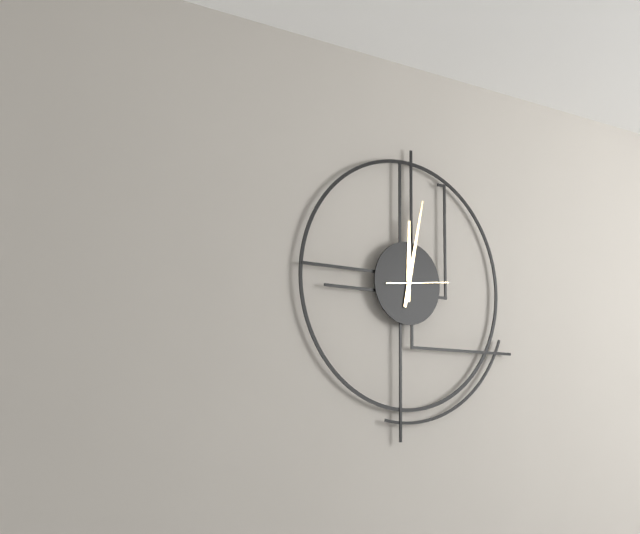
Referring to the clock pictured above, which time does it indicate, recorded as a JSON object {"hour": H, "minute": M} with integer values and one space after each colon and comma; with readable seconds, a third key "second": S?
{"hour": 12, "minute": 2, "second": 14}
